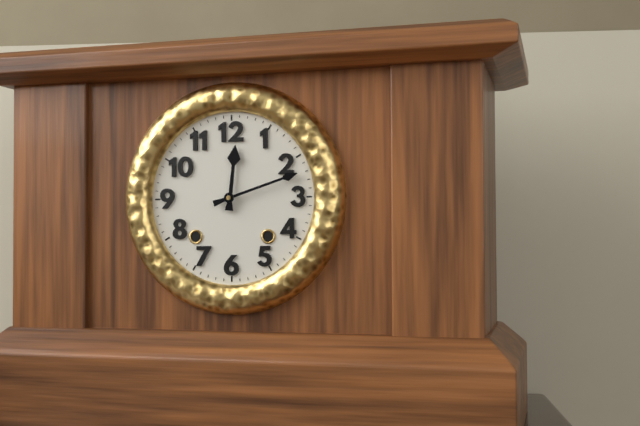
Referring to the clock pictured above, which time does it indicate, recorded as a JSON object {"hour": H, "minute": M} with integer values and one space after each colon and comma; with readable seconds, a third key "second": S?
{"hour": 12, "minute": 12}
